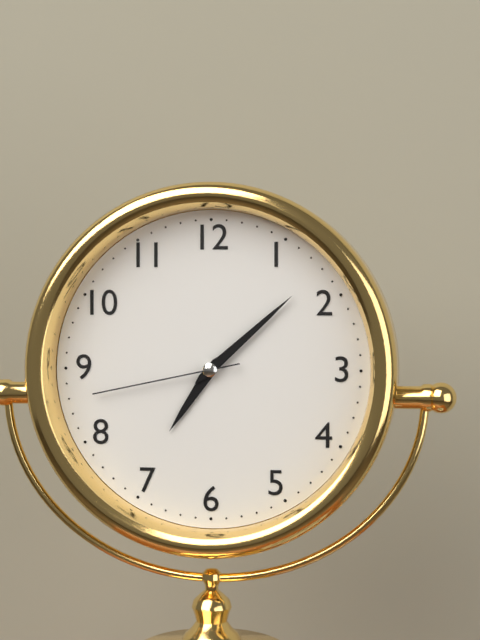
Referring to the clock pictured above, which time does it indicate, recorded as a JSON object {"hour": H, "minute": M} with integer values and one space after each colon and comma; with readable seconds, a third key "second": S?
{"hour": 7, "minute": 8, "second": 43}
